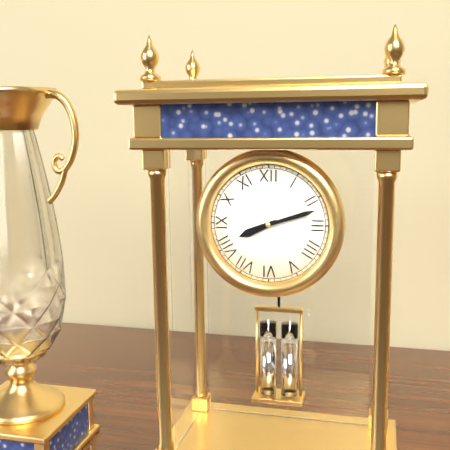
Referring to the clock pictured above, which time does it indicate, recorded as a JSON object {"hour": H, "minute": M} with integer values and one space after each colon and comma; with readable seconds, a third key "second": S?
{"hour": 8, "minute": 12}
